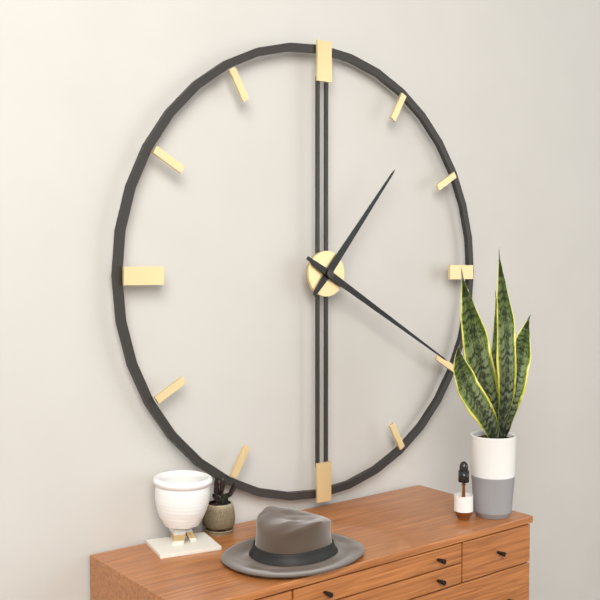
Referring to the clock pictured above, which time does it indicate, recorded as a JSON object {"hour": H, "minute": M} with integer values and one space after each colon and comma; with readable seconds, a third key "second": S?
{"hour": 1, "minute": 20}
